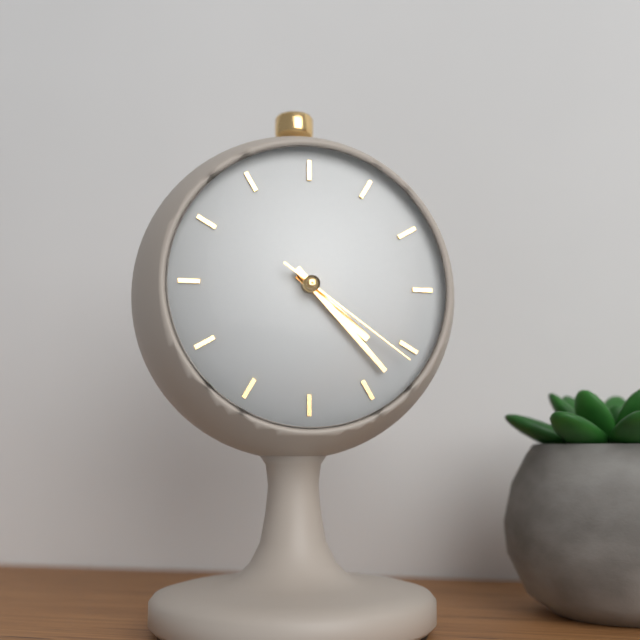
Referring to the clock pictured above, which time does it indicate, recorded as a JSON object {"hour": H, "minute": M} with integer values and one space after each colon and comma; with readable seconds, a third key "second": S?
{"hour": 4, "minute": 23, "second": 21}
